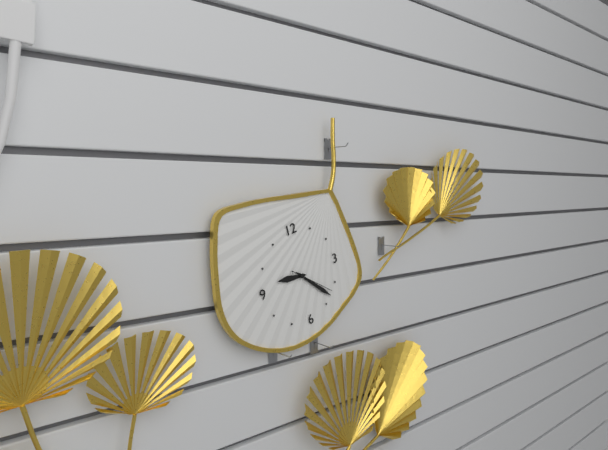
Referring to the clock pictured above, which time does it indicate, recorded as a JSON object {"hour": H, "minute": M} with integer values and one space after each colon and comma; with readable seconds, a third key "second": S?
{"hour": 9, "minute": 23}
